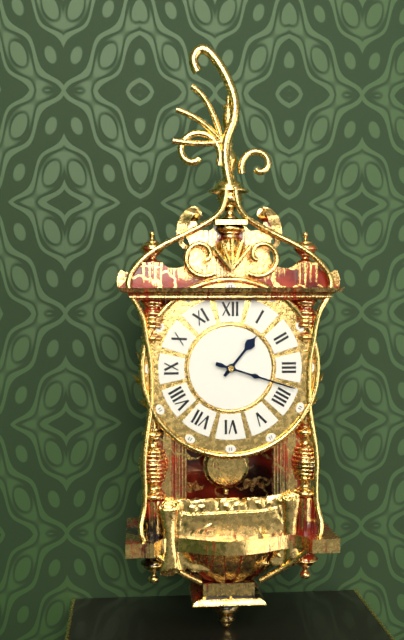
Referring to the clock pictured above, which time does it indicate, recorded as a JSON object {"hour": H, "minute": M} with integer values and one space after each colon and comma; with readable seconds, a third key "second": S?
{"hour": 1, "minute": 18}
